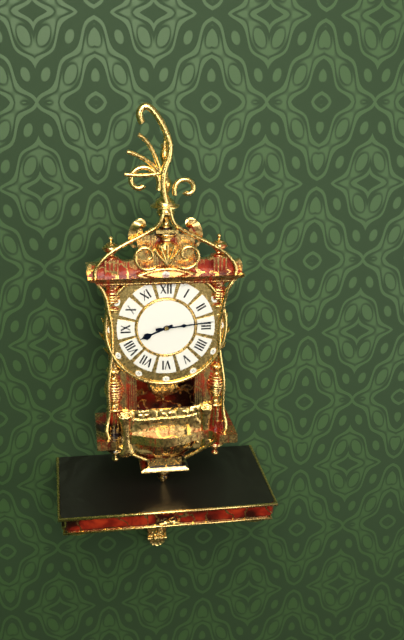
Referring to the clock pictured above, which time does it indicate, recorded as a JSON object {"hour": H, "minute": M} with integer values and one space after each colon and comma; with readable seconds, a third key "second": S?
{"hour": 8, "minute": 14}
